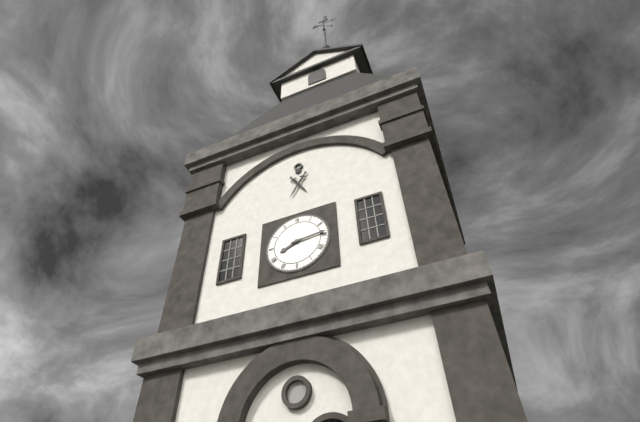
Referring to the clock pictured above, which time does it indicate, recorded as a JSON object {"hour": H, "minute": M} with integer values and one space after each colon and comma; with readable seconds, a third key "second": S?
{"hour": 8, "minute": 14}
